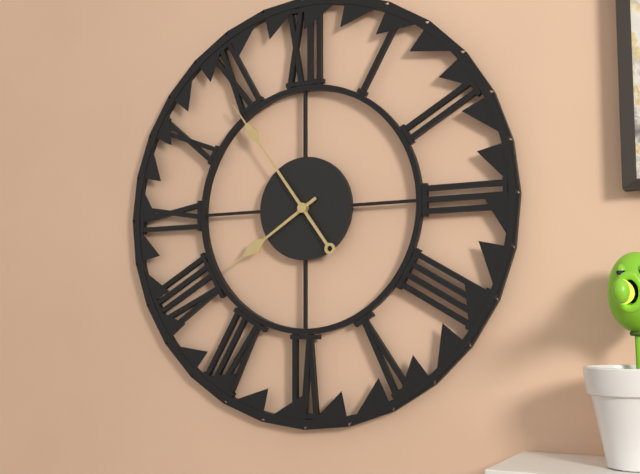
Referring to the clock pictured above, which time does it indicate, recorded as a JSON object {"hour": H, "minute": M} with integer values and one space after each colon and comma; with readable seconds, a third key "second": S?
{"hour": 7, "minute": 54}
